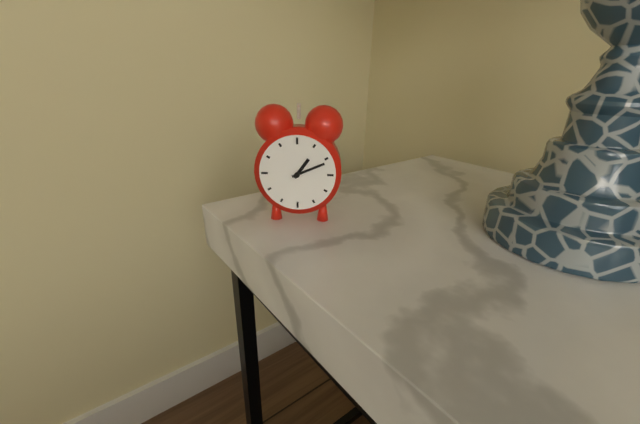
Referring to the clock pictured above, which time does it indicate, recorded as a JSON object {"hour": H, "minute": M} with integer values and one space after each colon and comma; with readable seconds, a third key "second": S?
{"hour": 1, "minute": 11}
